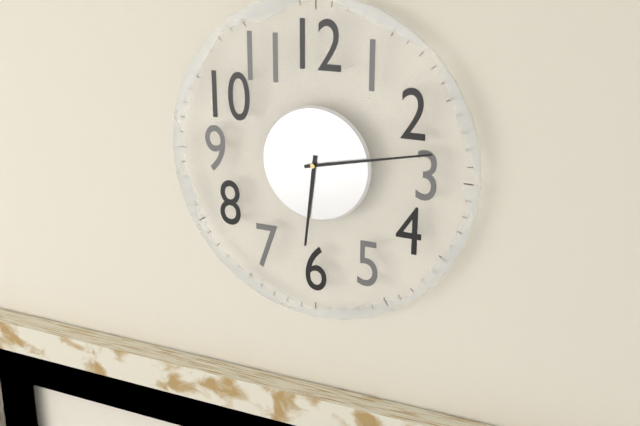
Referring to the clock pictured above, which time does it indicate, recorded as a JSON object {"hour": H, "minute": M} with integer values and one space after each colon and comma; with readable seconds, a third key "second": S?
{"hour": 6, "minute": 13}
